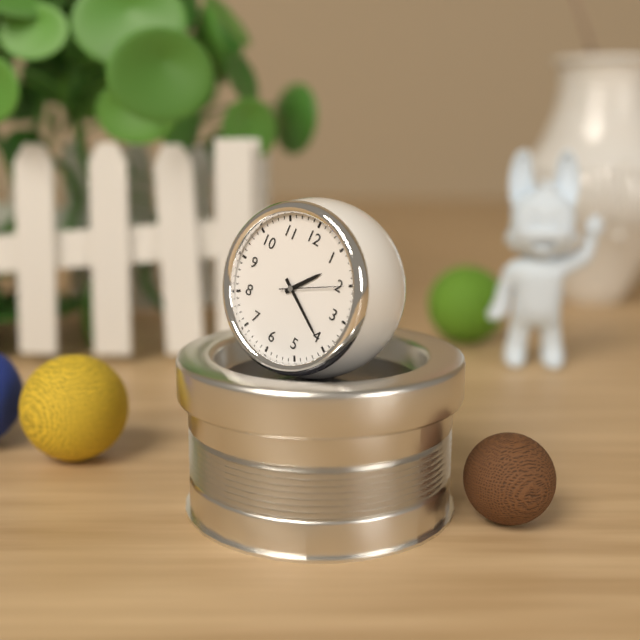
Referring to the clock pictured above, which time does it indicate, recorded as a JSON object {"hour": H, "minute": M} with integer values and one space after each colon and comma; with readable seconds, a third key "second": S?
{"hour": 1, "minute": 20, "second": 10}
